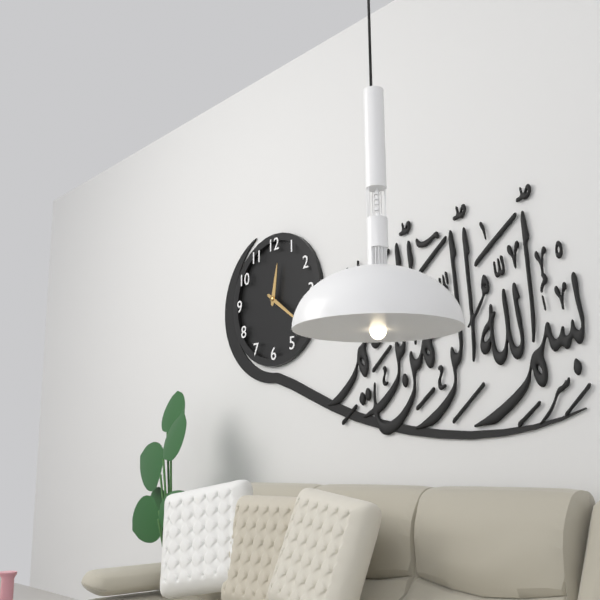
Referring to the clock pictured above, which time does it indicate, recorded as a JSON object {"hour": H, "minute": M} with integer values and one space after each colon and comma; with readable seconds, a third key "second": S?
{"hour": 12, "minute": 21}
